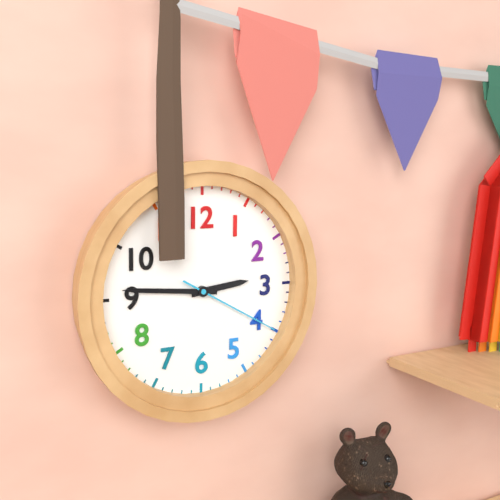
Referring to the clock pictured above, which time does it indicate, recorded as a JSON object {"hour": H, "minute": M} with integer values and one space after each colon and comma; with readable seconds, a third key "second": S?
{"hour": 2, "minute": 46, "second": 20}
